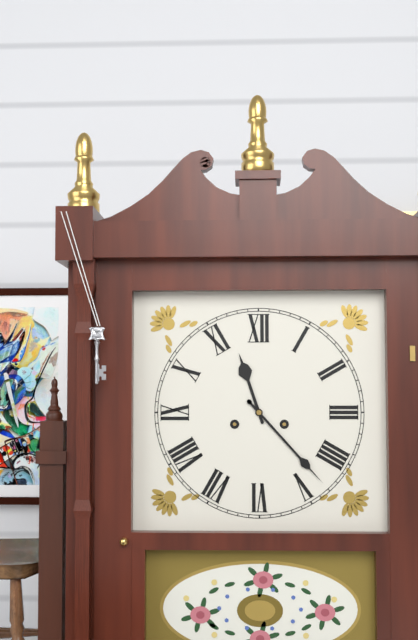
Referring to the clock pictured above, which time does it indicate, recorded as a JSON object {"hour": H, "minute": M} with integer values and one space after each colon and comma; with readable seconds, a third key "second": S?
{"hour": 11, "minute": 23}
